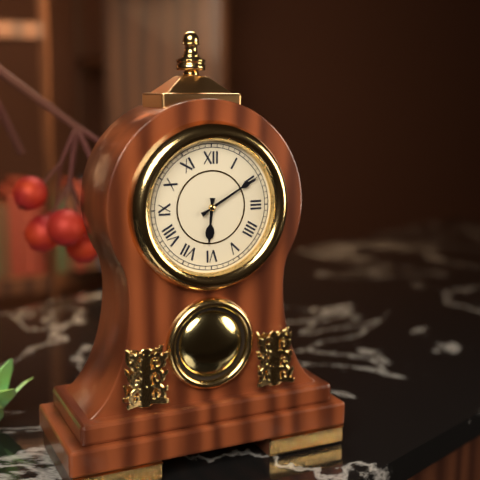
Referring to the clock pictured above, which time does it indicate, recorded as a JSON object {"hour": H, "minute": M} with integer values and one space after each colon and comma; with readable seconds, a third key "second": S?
{"hour": 6, "minute": 10}
